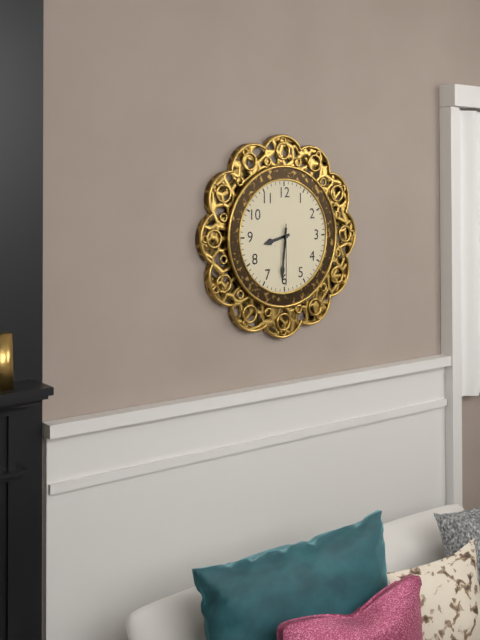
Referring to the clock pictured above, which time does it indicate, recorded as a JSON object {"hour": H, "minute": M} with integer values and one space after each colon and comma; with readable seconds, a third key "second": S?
{"hour": 8, "minute": 31, "second": 30}
